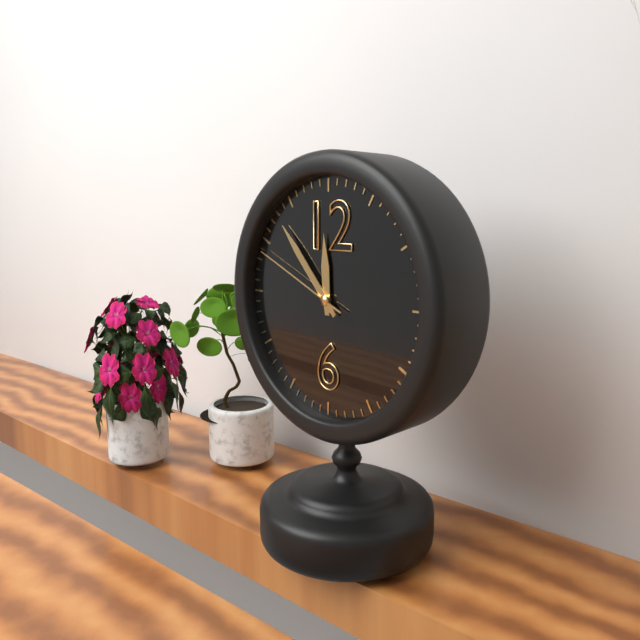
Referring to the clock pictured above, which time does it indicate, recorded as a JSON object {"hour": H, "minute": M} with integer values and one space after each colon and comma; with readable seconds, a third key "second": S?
{"hour": 11, "minute": 53, "second": 49}
